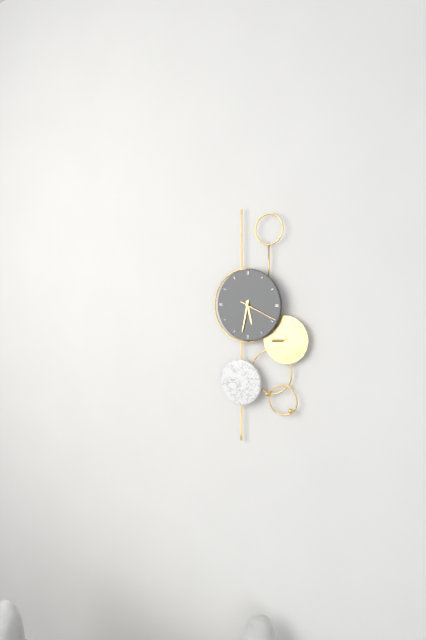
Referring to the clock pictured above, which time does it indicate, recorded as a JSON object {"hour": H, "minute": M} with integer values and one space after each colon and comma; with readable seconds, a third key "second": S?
{"hour": 5, "minute": 32}
